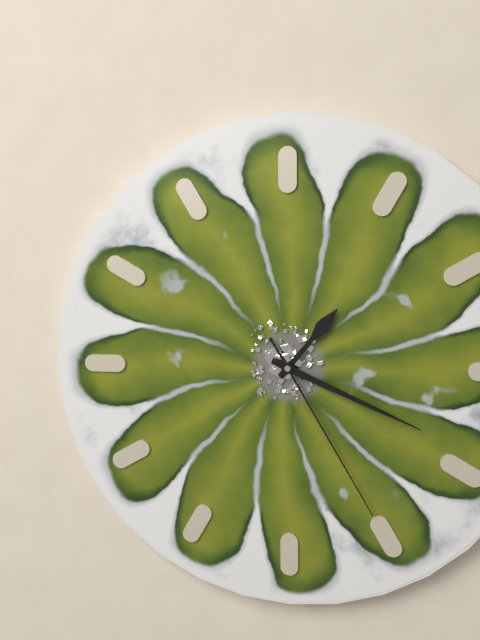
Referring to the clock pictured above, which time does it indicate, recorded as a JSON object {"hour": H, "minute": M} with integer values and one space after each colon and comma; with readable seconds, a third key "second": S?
{"hour": 1, "minute": 19, "second": 25}
